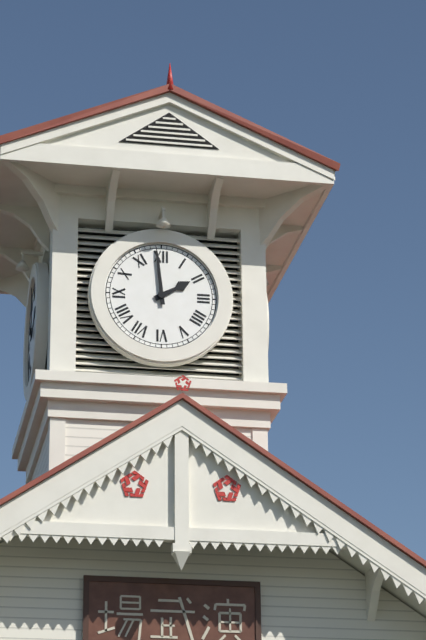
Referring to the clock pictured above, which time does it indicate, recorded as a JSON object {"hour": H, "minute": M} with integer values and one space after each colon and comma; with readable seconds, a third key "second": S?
{"hour": 1, "minute": 59}
